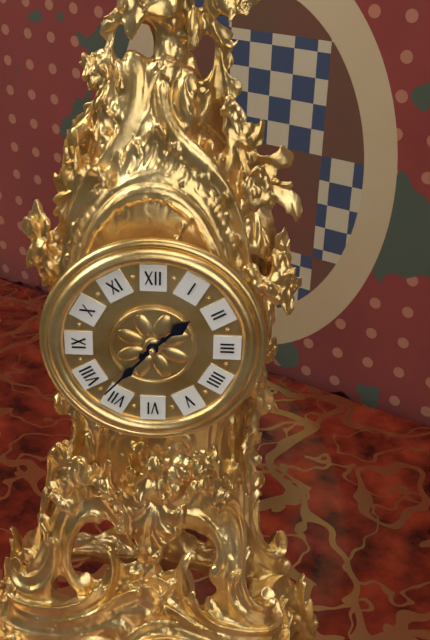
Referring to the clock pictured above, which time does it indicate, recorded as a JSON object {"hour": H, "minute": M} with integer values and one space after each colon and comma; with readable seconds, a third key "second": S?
{"hour": 1, "minute": 37}
